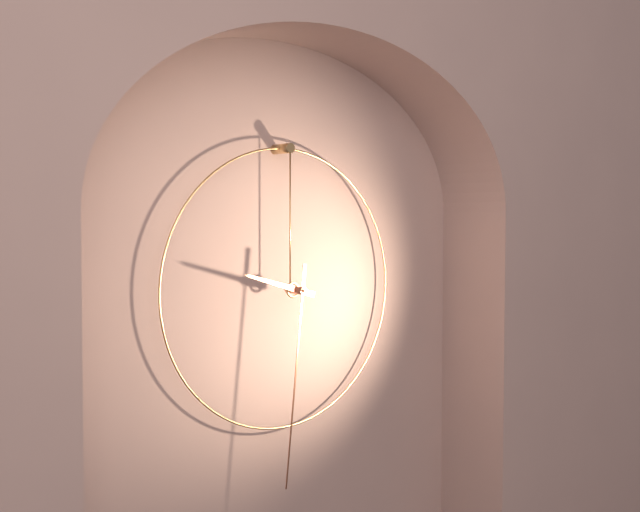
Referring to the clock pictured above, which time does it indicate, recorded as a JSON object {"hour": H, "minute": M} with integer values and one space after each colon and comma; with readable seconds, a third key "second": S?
{"hour": 9, "minute": 31}
